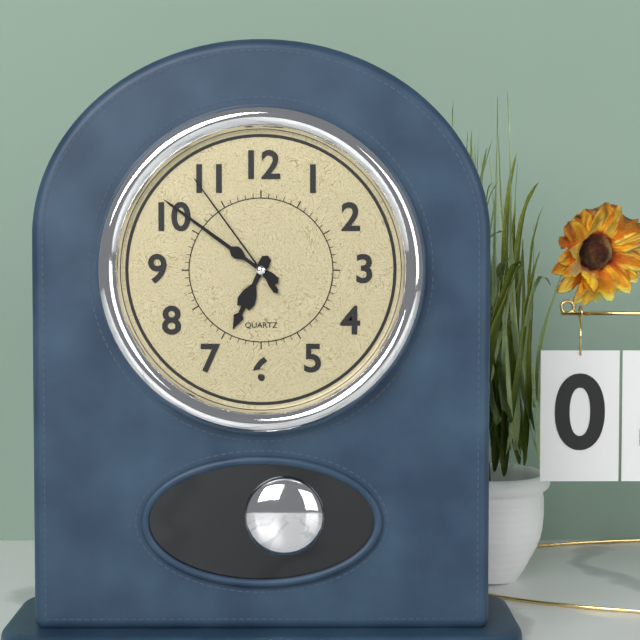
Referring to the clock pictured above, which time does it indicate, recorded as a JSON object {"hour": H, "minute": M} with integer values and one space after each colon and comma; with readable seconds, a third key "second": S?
{"hour": 6, "minute": 51, "second": 54}
